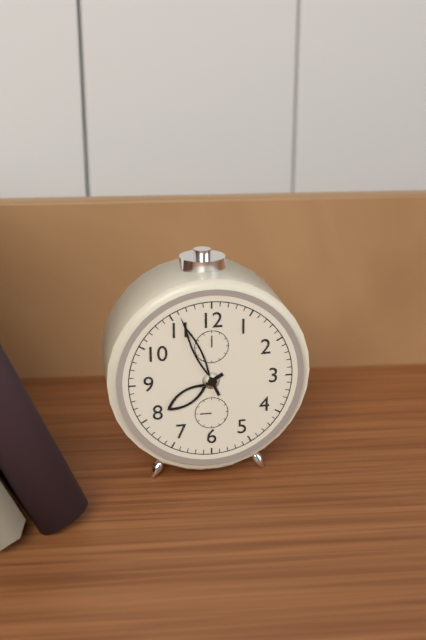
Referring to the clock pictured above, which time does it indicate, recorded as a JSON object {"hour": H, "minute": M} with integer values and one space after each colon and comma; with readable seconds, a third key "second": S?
{"hour": 7, "minute": 56}
